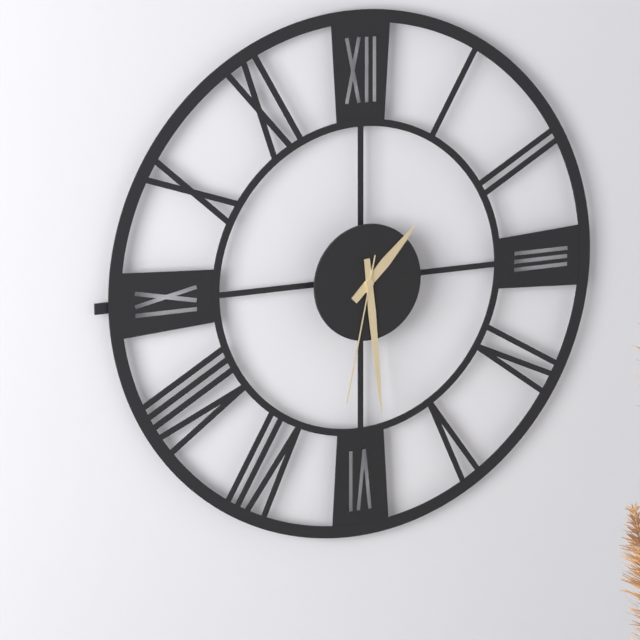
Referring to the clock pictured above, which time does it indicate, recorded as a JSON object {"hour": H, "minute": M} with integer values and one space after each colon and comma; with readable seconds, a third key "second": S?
{"hour": 1, "minute": 29, "second": 32}
